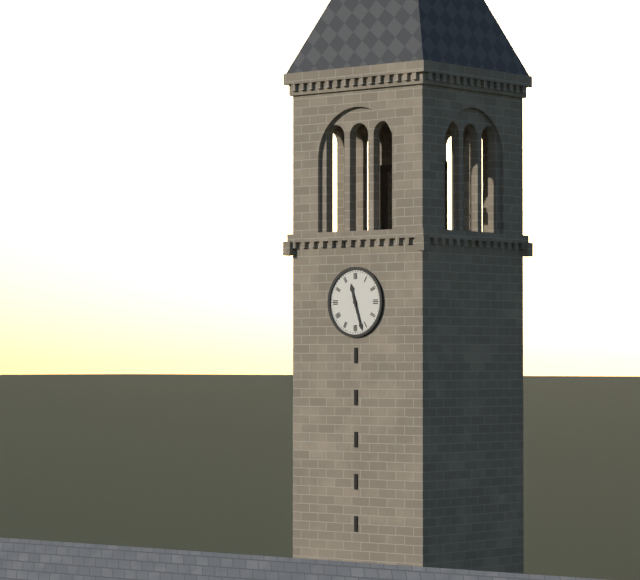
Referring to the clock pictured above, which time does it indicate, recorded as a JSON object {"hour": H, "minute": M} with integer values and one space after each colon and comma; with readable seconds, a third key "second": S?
{"hour": 11, "minute": 27}
